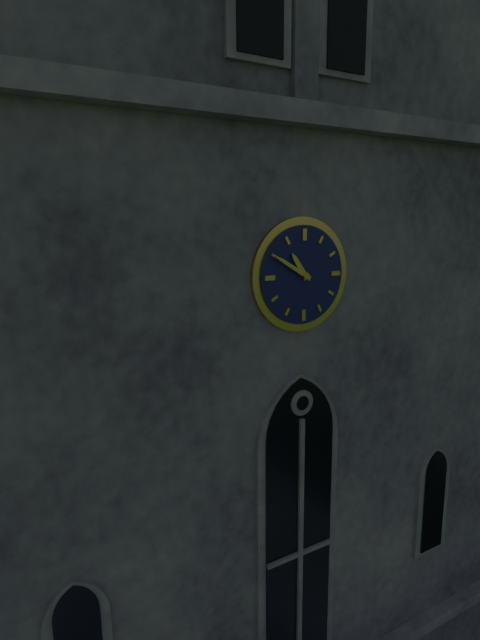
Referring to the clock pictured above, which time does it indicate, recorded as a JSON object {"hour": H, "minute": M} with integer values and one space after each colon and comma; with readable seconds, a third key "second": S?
{"hour": 10, "minute": 50}
